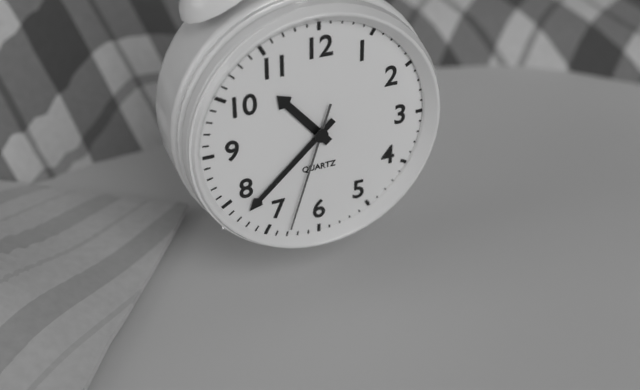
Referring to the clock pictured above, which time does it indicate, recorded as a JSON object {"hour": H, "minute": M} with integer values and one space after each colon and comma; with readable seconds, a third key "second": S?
{"hour": 10, "minute": 38, "second": 33}
